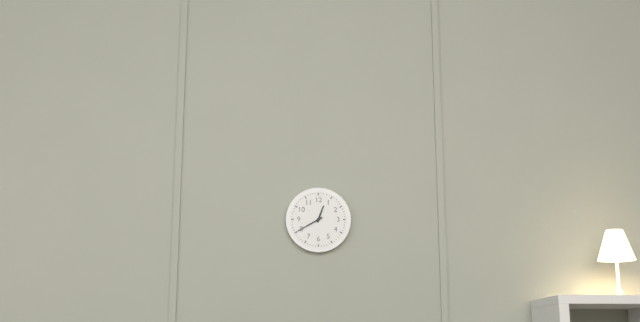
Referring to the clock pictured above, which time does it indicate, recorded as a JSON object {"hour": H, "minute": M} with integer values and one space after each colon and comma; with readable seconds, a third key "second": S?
{"hour": 12, "minute": 40}
